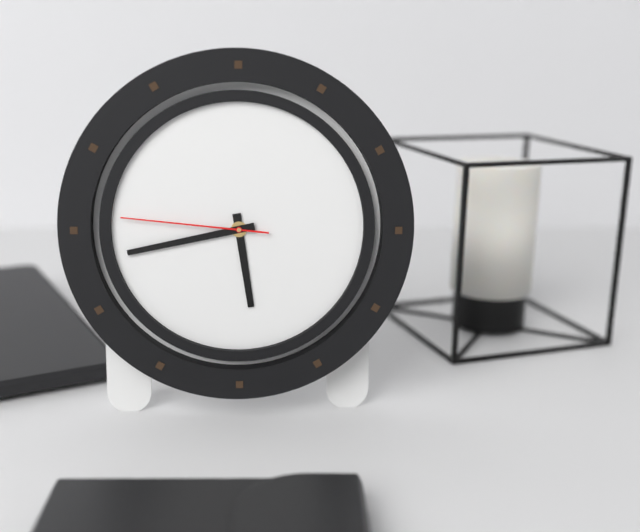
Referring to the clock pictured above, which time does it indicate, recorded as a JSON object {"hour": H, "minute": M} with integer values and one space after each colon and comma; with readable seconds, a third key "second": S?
{"hour": 5, "minute": 43, "second": 46}
